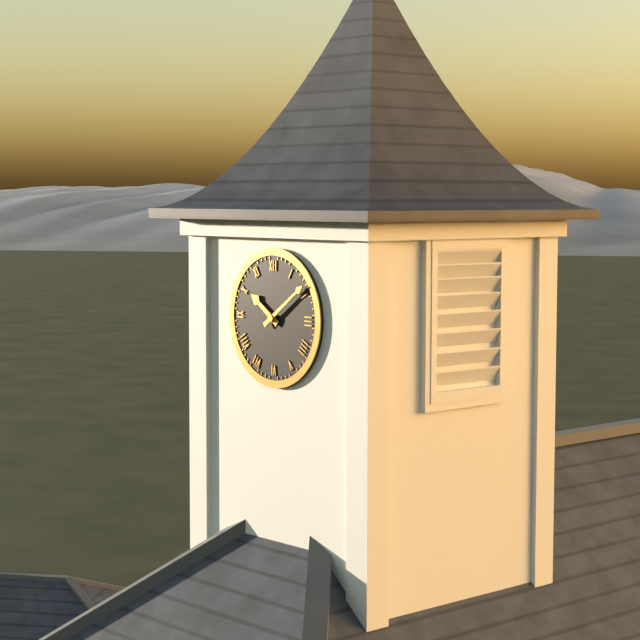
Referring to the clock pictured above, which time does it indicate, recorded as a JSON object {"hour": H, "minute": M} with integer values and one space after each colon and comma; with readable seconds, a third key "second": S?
{"hour": 10, "minute": 9}
